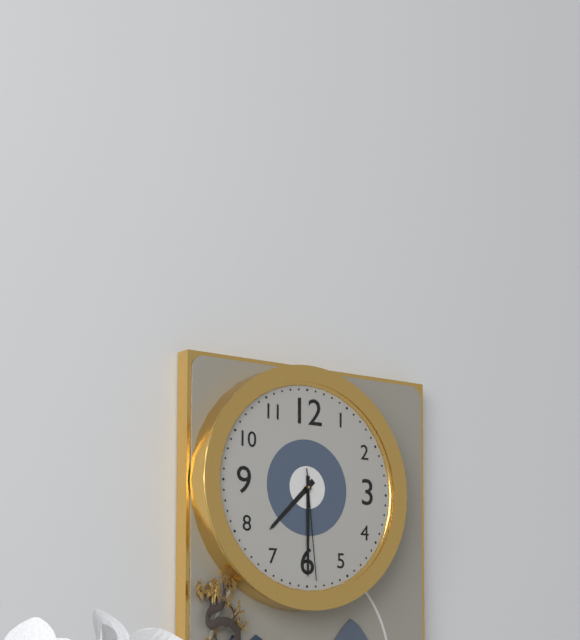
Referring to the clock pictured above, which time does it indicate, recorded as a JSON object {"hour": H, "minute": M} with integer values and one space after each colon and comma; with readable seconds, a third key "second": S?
{"hour": 7, "minute": 30, "second": 29}
